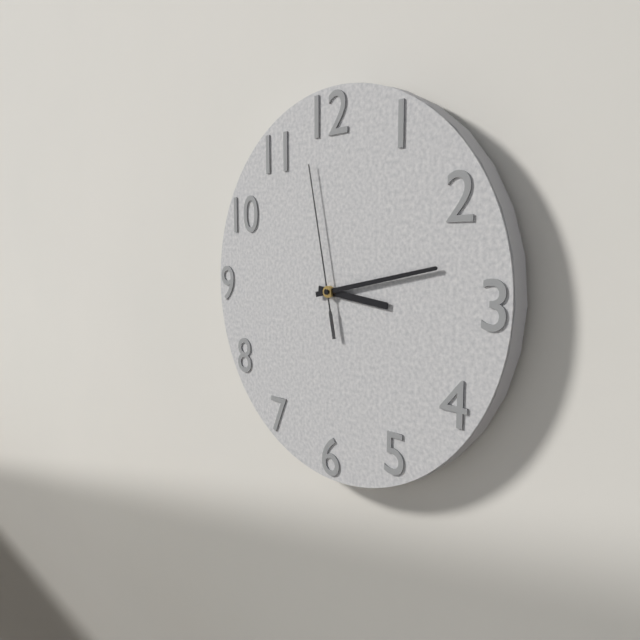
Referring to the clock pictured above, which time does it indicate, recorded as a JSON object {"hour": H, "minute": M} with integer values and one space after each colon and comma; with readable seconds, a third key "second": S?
{"hour": 3, "minute": 13, "second": 58}
